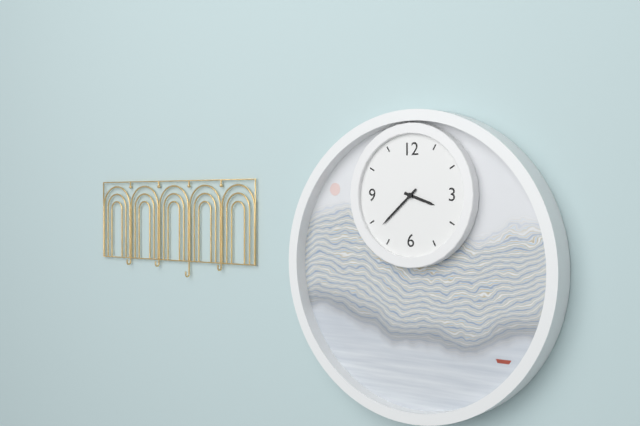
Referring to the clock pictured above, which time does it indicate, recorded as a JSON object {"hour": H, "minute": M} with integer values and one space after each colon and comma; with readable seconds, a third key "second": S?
{"hour": 3, "minute": 38}
